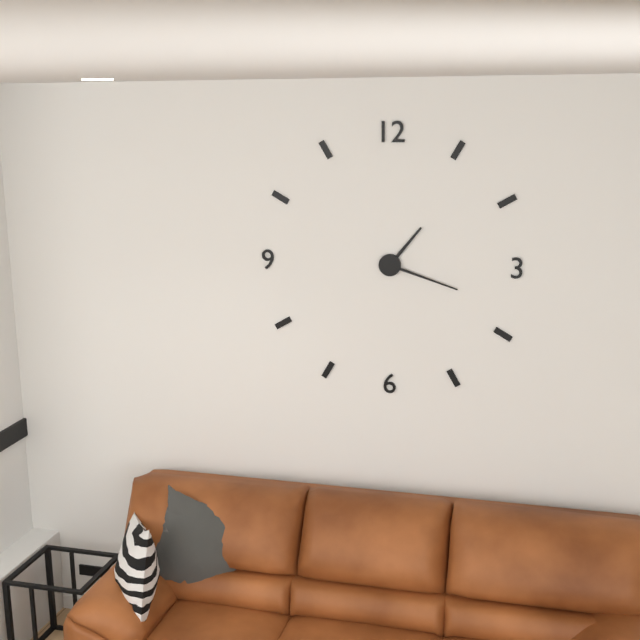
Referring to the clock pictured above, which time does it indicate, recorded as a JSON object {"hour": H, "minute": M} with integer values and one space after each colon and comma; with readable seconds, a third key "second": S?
{"hour": 1, "minute": 18}
